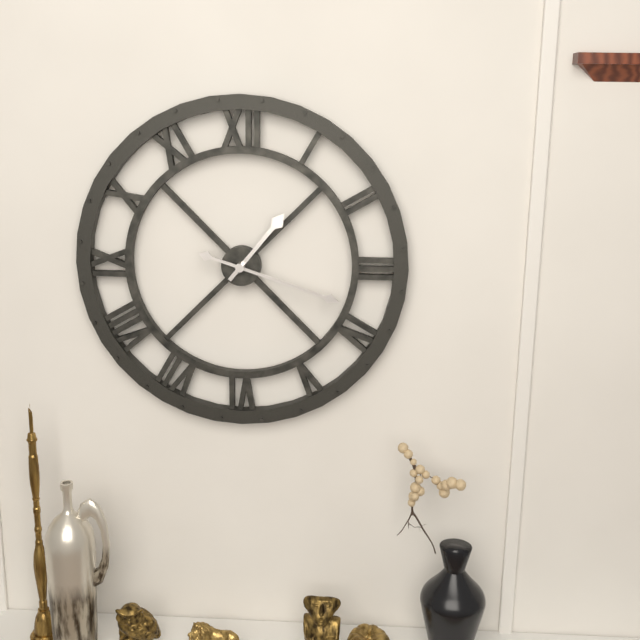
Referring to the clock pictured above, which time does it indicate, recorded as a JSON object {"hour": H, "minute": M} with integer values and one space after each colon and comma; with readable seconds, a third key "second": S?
{"hour": 1, "minute": 18}
